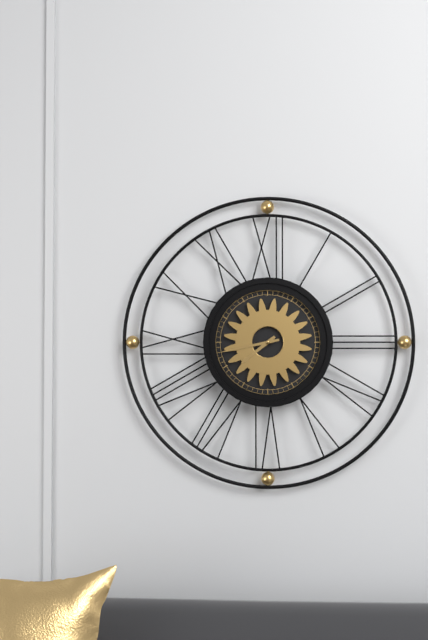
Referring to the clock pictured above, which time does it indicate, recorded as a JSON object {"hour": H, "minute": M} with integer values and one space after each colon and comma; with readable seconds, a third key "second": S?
{"hour": 7, "minute": 43}
